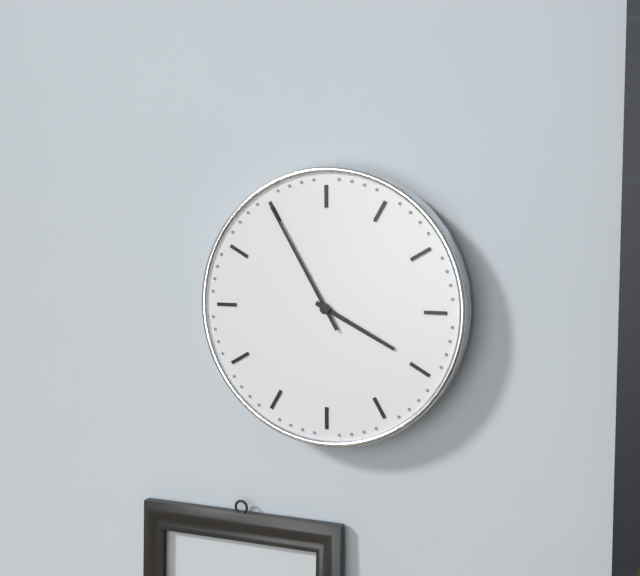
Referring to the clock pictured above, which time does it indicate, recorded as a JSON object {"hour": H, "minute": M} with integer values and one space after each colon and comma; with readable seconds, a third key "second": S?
{"hour": 3, "minute": 55}
